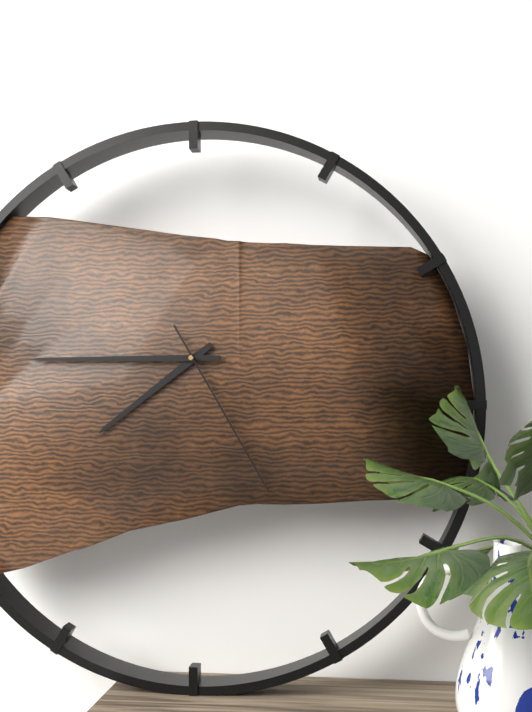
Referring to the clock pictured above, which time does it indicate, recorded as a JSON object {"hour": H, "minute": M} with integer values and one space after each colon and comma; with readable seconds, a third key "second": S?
{"hour": 7, "minute": 45, "second": 25}
